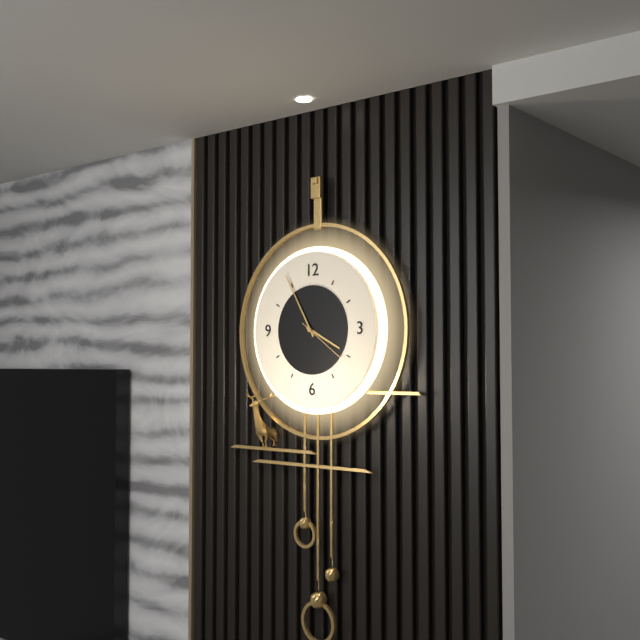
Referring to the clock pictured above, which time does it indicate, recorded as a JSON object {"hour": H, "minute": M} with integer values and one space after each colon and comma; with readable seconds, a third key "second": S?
{"hour": 3, "minute": 55, "second": 21}
